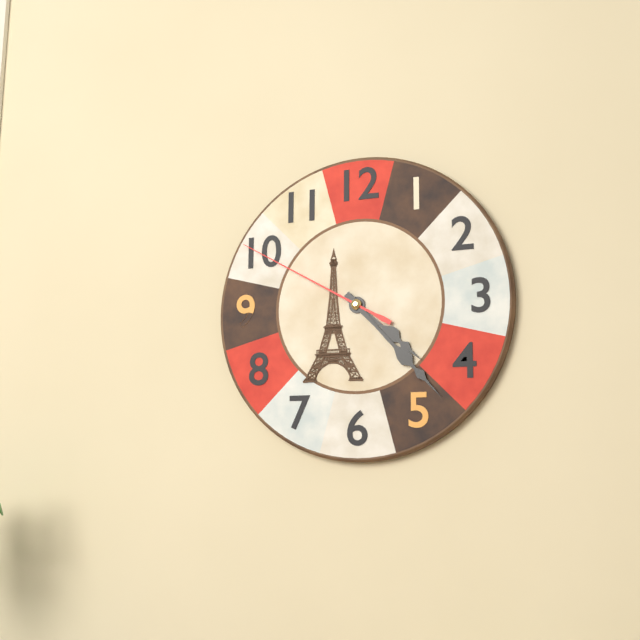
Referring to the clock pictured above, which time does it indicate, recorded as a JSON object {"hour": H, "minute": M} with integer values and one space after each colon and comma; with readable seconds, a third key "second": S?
{"hour": 4, "minute": 23, "second": 50}
